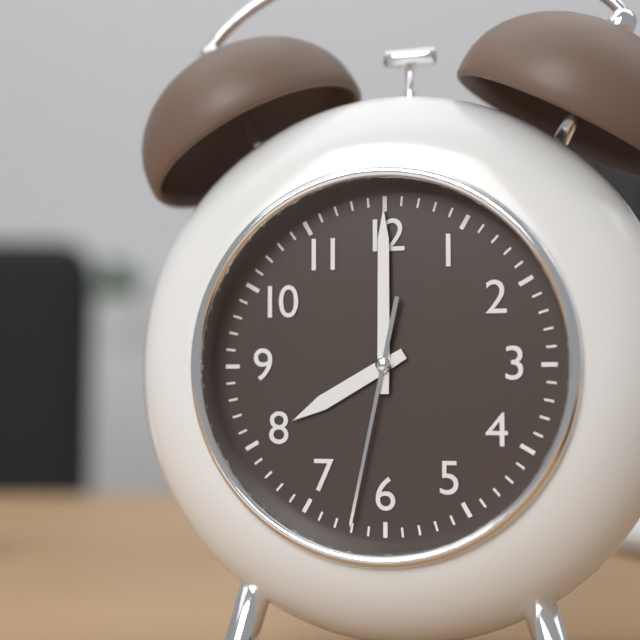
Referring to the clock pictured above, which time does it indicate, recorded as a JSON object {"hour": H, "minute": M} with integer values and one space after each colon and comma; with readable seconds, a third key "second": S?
{"hour": 8, "minute": 0, "second": 32}
